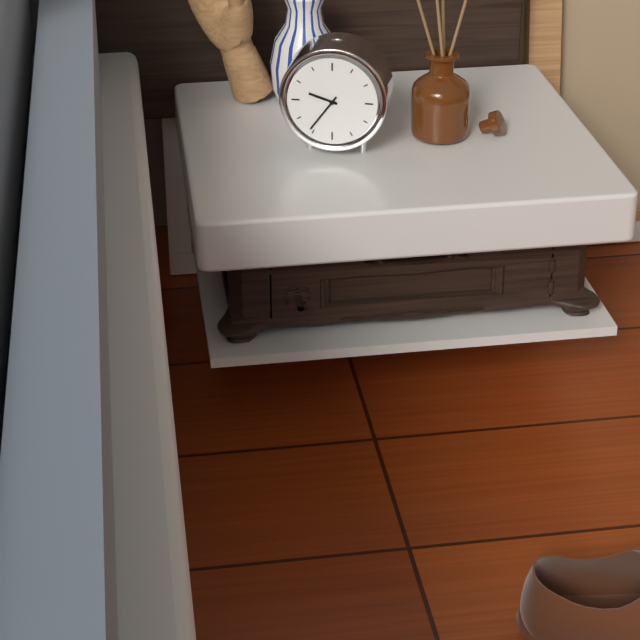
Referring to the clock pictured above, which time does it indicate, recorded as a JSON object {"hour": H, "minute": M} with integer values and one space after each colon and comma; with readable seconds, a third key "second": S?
{"hour": 9, "minute": 36}
